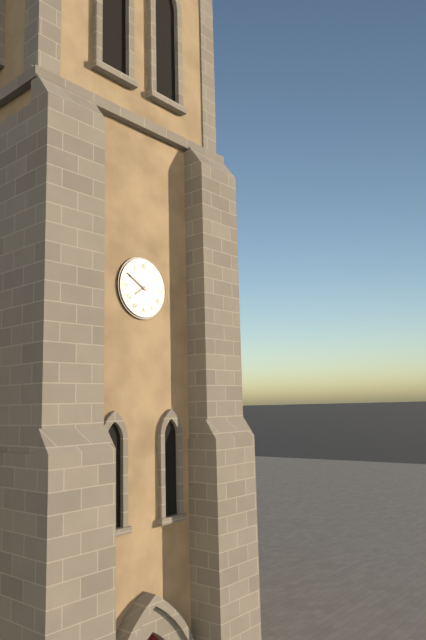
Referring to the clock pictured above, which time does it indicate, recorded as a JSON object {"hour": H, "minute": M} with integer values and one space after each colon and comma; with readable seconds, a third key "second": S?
{"hour": 7, "minute": 50}
